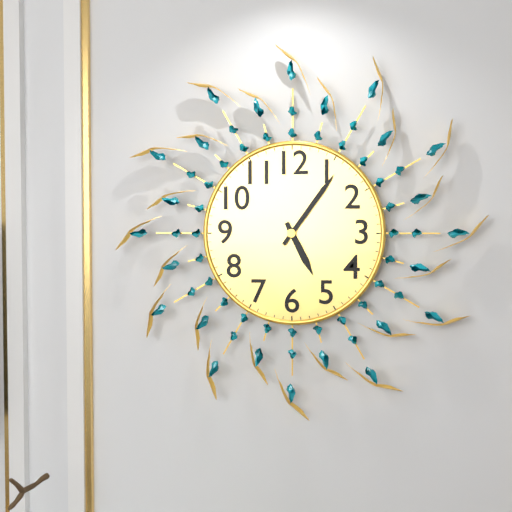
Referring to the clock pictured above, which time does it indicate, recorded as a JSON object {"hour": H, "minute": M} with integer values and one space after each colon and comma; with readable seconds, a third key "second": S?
{"hour": 5, "minute": 6}
